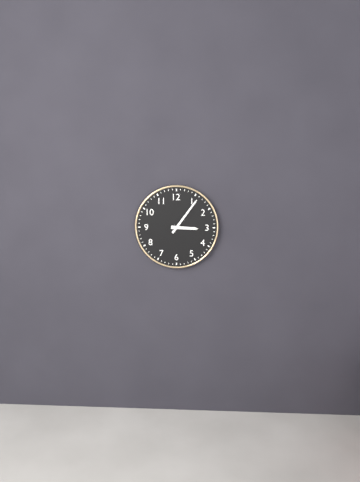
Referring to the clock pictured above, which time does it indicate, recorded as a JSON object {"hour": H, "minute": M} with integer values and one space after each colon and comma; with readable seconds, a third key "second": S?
{"hour": 3, "minute": 6}
